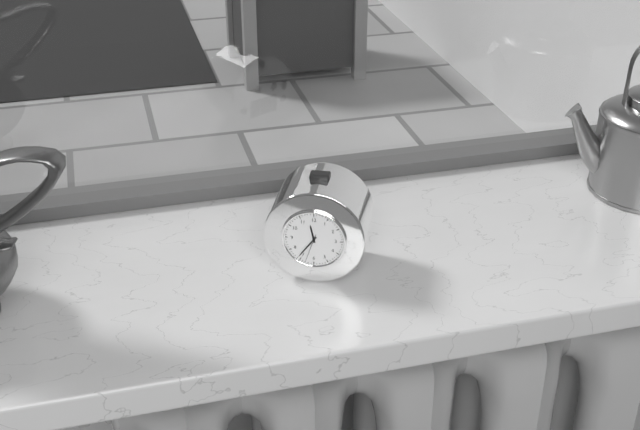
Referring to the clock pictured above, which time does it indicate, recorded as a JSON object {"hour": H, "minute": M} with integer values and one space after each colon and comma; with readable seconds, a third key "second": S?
{"hour": 11, "minute": 36}
